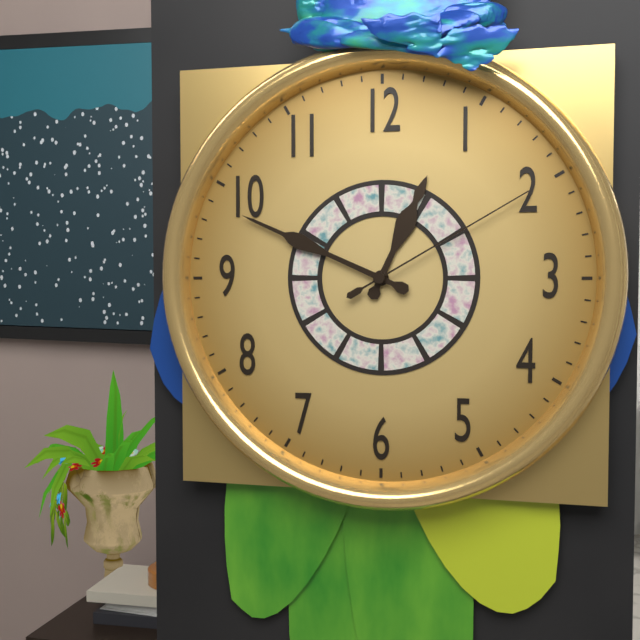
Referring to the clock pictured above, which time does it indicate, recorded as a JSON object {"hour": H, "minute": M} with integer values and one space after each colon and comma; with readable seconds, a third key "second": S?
{"hour": 12, "minute": 49, "second": 10}
